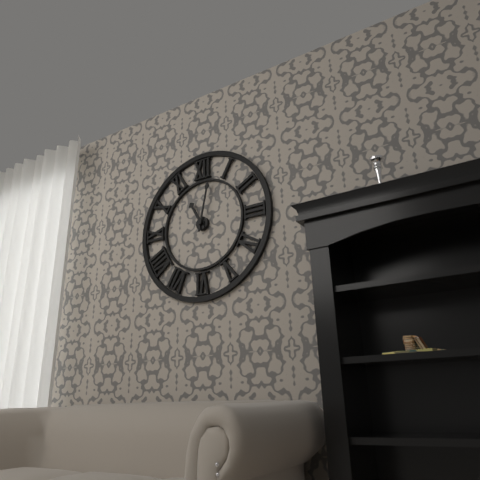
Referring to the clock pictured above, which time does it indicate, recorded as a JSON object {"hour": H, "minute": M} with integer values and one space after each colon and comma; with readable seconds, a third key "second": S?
{"hour": 11, "minute": 2}
